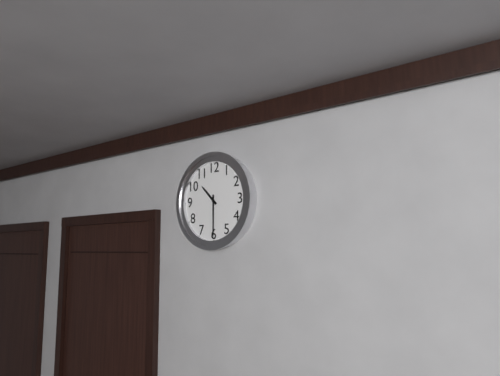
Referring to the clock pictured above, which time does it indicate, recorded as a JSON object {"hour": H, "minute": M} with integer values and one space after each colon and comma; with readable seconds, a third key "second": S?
{"hour": 10, "minute": 30}
